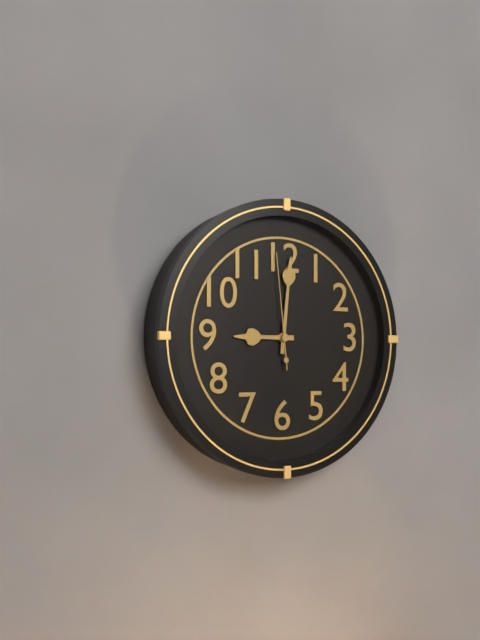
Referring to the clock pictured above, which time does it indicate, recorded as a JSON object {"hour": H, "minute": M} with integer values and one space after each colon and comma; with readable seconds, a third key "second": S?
{"hour": 9, "minute": 1, "second": 59}
